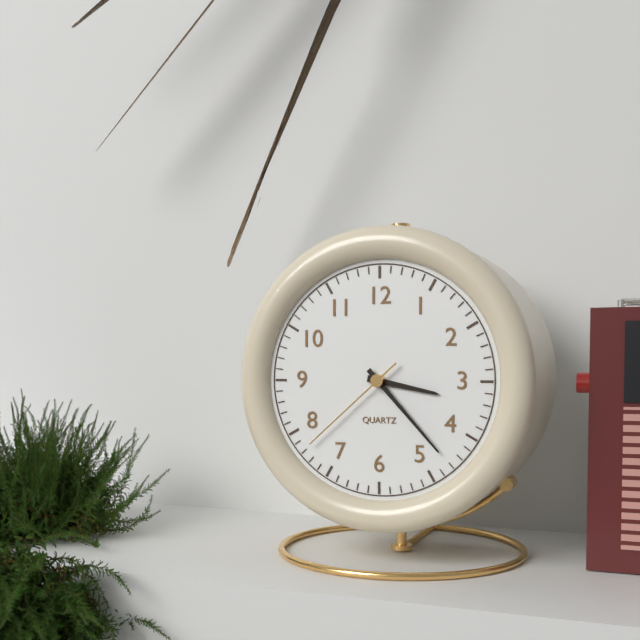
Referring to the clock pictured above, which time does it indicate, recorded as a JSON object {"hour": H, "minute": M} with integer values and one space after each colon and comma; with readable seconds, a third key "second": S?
{"hour": 3, "minute": 23, "second": 38}
